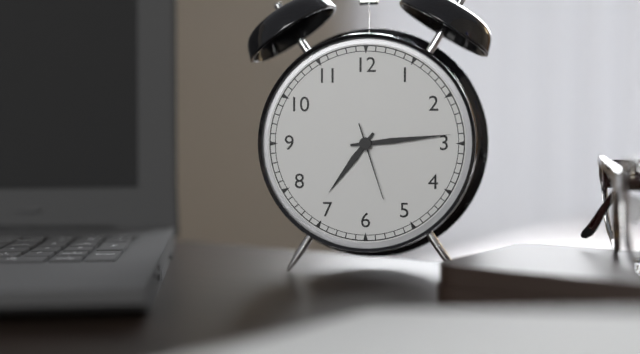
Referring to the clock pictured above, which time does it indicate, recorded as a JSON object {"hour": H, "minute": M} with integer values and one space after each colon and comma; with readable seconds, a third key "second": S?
{"hour": 7, "minute": 14, "second": 27}
